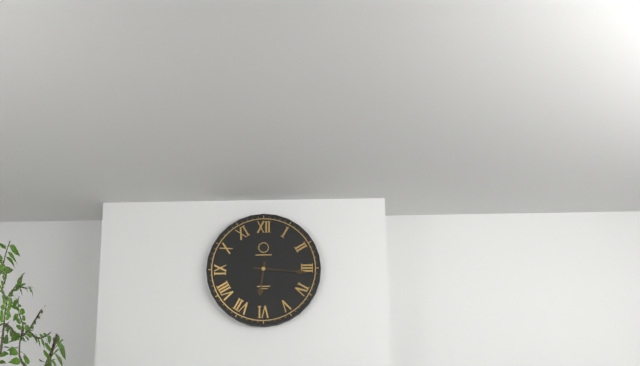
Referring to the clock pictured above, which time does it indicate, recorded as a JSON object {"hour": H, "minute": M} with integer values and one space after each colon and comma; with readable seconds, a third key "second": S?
{"hour": 6, "minute": 16}
